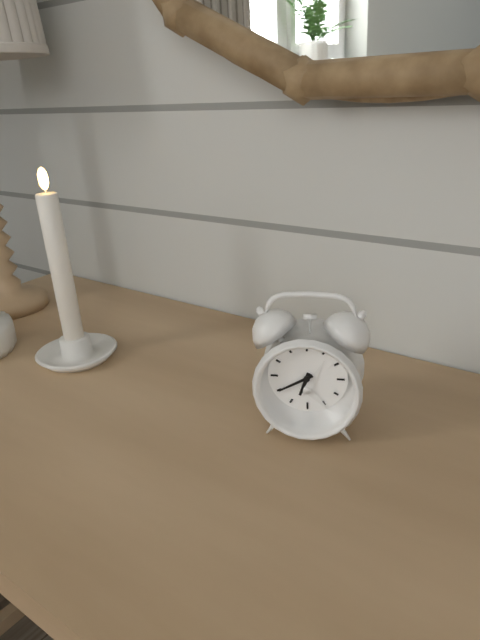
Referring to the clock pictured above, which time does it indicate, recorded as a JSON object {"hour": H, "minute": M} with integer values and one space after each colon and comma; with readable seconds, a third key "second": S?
{"hour": 6, "minute": 40}
